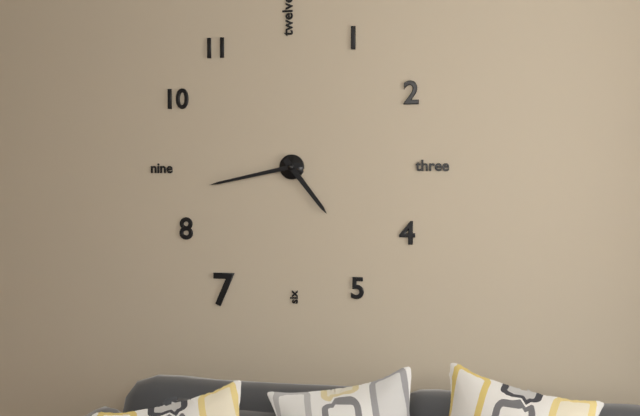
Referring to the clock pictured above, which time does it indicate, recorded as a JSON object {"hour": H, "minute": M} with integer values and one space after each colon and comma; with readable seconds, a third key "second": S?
{"hour": 4, "minute": 43}
